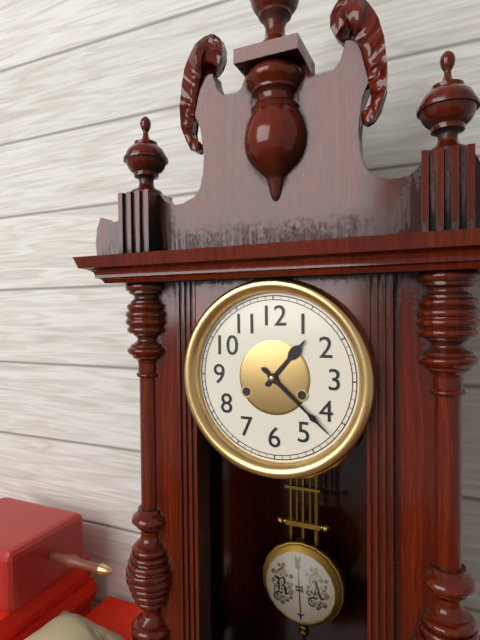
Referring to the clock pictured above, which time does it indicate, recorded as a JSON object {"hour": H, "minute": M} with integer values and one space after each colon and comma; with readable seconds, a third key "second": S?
{"hour": 1, "minute": 22}
